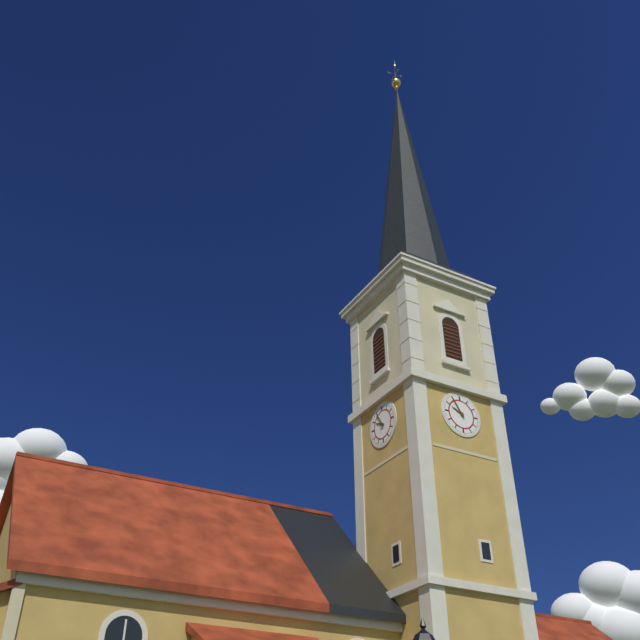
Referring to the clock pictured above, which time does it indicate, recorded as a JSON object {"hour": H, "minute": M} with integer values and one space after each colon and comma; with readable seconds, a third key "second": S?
{"hour": 9, "minute": 55}
